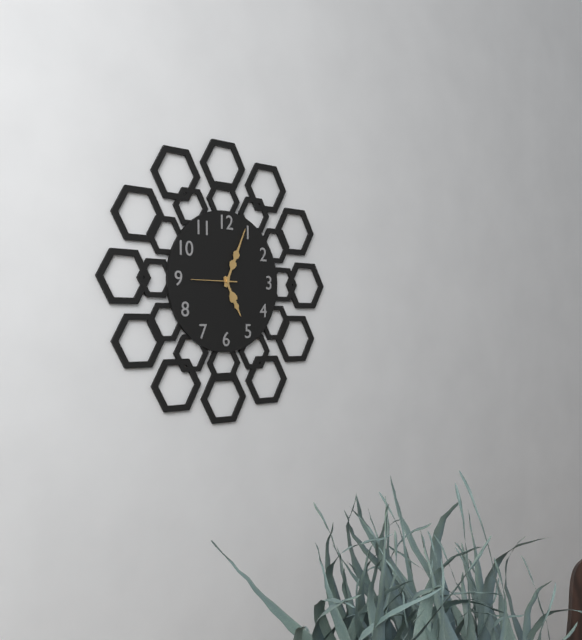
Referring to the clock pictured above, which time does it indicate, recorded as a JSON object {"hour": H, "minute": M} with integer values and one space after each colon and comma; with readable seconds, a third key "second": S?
{"hour": 5, "minute": 4}
